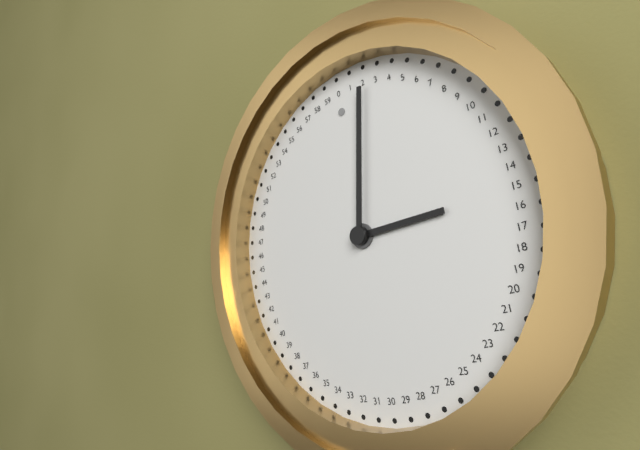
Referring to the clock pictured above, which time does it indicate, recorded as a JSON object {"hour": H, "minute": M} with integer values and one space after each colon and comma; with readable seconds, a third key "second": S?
{"hour": 3, "minute": 2}
